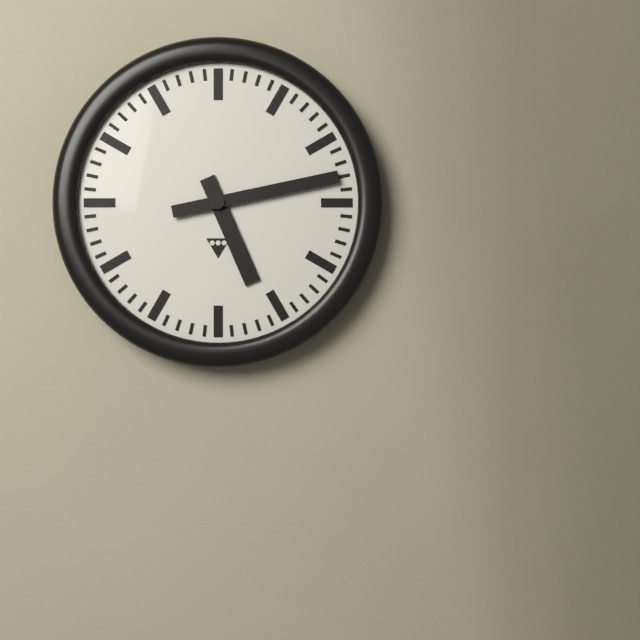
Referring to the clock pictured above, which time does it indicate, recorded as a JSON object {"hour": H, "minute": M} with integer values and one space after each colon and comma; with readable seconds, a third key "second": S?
{"hour": 5, "minute": 13}
